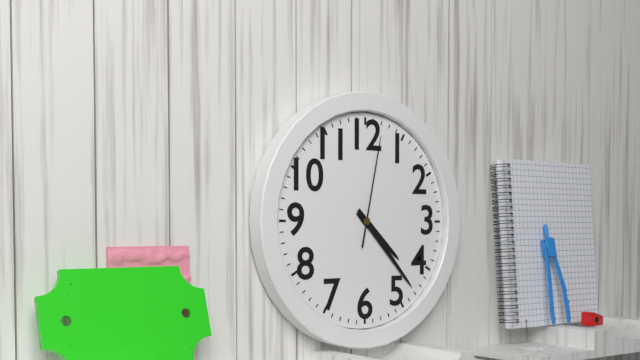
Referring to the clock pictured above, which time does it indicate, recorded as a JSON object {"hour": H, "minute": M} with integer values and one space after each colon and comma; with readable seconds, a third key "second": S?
{"hour": 4, "minute": 23, "second": 2}
